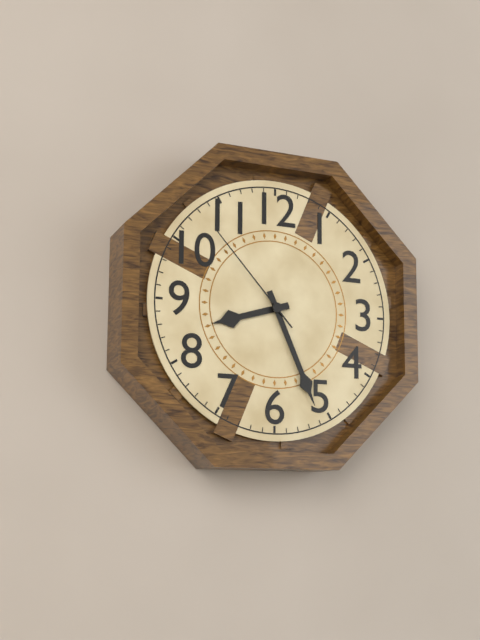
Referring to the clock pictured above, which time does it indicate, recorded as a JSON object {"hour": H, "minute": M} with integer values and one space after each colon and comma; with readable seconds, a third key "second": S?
{"hour": 8, "minute": 26, "second": 53}
